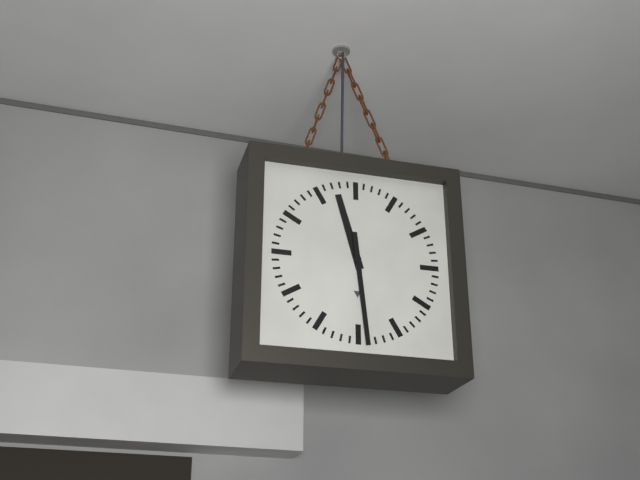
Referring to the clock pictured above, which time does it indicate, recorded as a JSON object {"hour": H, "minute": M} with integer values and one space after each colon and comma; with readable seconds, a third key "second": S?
{"hour": 11, "minute": 29}
